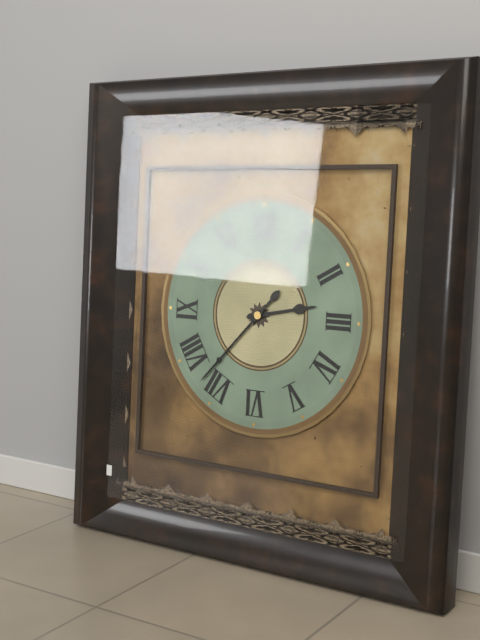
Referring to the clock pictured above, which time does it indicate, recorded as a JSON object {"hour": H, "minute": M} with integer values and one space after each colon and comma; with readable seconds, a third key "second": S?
{"hour": 2, "minute": 37}
